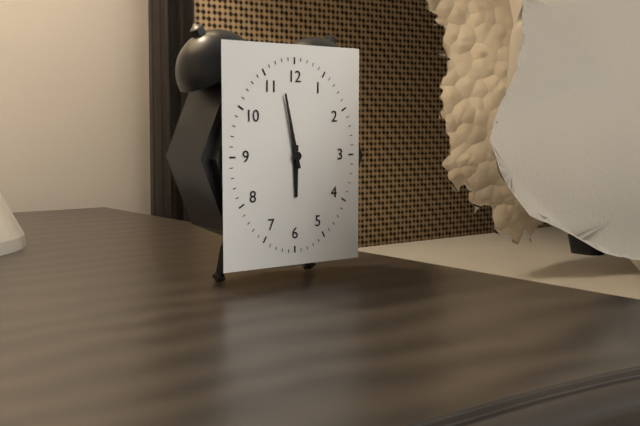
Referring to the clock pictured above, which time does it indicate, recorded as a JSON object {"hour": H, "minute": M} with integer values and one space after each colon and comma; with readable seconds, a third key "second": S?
{"hour": 5, "minute": 58}
